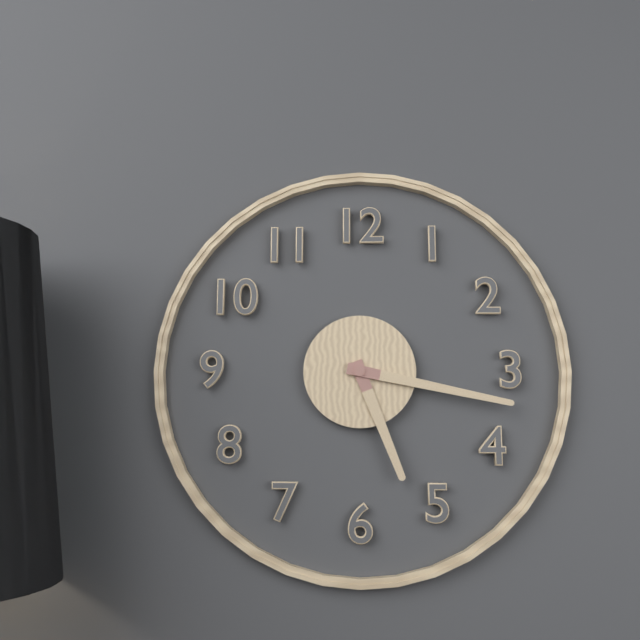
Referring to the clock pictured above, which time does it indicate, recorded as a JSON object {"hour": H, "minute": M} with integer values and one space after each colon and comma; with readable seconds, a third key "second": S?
{"hour": 5, "minute": 17}
